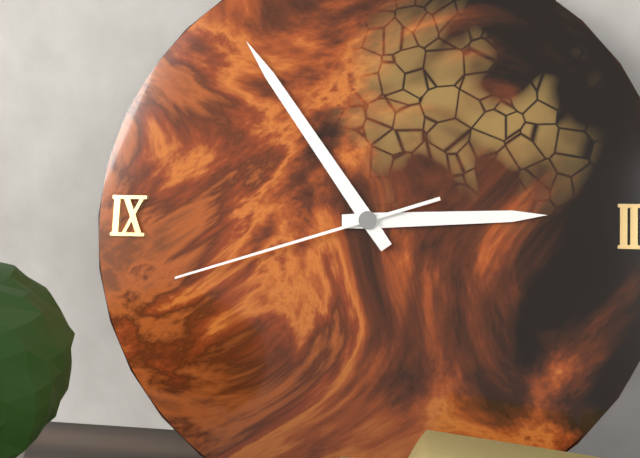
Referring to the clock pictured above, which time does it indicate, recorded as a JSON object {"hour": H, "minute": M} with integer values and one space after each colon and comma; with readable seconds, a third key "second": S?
{"hour": 2, "minute": 54, "second": 42}
